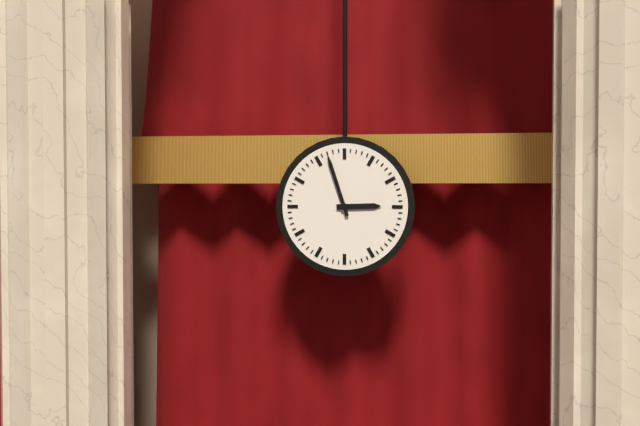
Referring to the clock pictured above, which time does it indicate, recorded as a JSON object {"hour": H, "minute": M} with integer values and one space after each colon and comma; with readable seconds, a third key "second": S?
{"hour": 2, "minute": 57}
